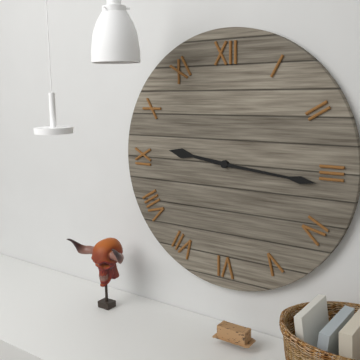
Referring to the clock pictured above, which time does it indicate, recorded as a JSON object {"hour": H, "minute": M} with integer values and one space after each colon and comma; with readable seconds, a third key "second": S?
{"hour": 9, "minute": 16}
